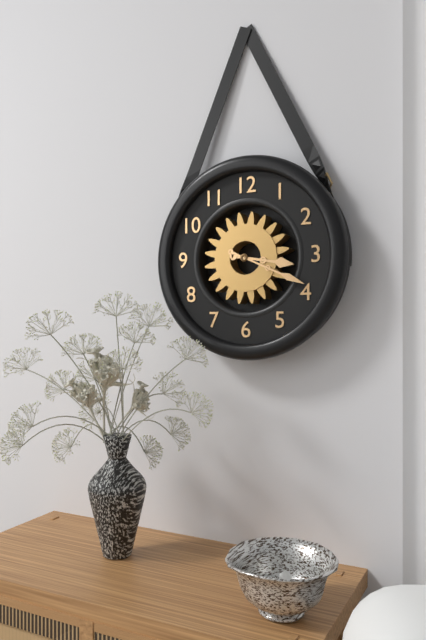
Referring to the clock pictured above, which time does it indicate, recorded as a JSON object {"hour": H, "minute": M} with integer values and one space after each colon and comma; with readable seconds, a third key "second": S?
{"hour": 3, "minute": 19}
